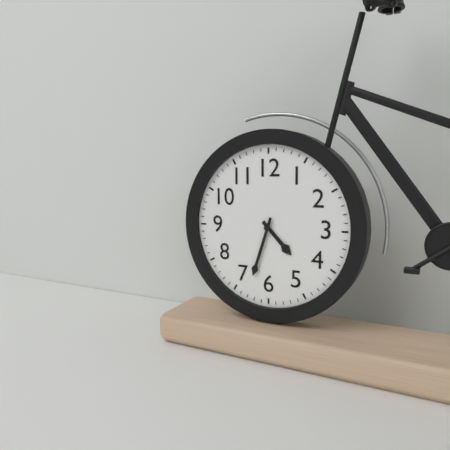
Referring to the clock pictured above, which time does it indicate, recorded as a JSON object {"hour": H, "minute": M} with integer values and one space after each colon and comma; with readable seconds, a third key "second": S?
{"hour": 4, "minute": 33}
